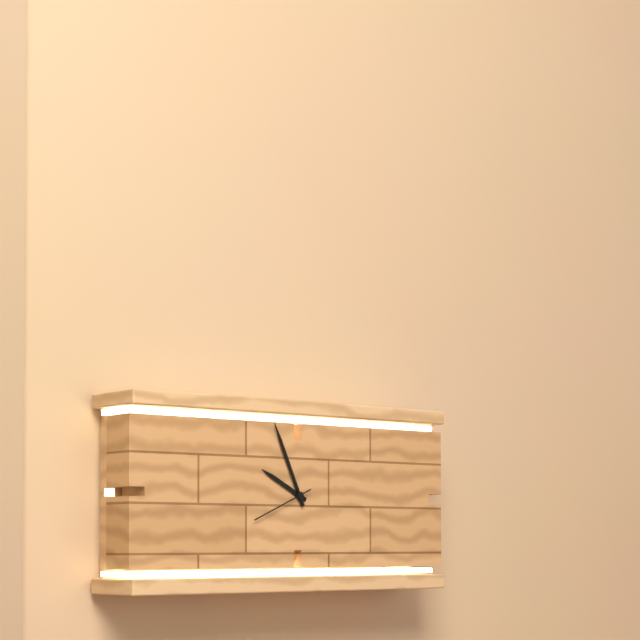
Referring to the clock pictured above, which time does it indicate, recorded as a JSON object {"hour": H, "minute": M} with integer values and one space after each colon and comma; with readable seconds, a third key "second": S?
{"hour": 9, "minute": 56}
